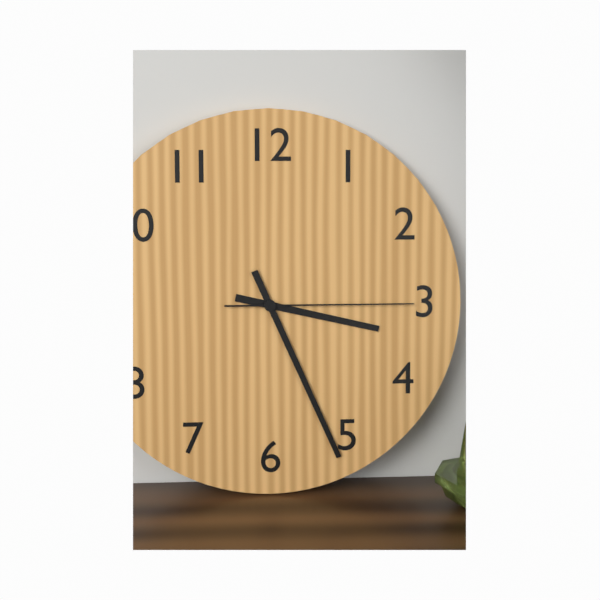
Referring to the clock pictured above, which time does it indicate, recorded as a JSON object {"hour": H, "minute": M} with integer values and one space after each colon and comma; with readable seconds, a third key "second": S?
{"hour": 3, "minute": 26, "second": 15}
